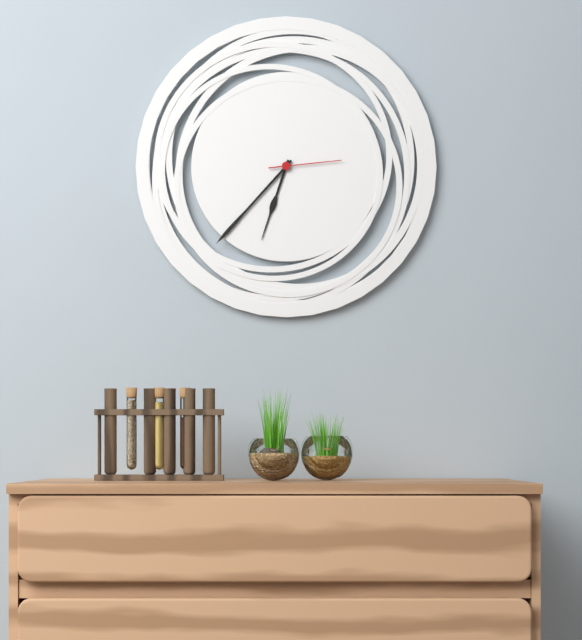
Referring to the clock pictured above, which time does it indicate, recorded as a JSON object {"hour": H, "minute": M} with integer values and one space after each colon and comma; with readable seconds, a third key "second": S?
{"hour": 6, "minute": 37, "second": 14}
